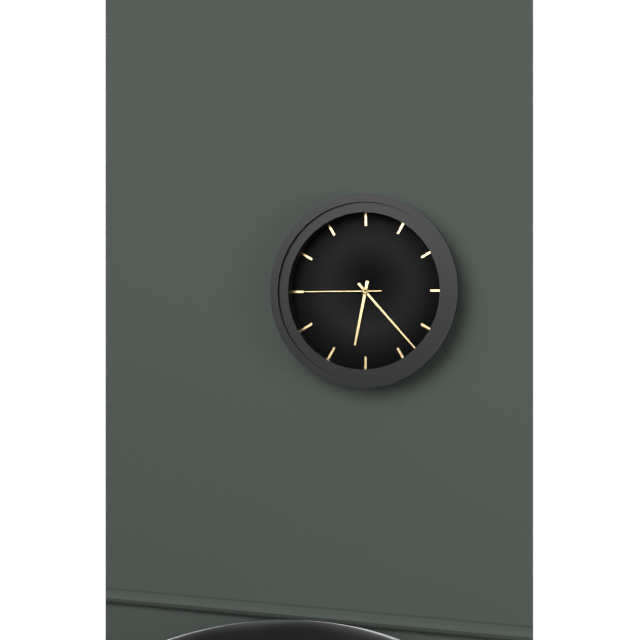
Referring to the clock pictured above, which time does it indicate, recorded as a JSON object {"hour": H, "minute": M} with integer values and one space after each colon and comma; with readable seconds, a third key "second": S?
{"hour": 6, "minute": 23, "second": 45}
